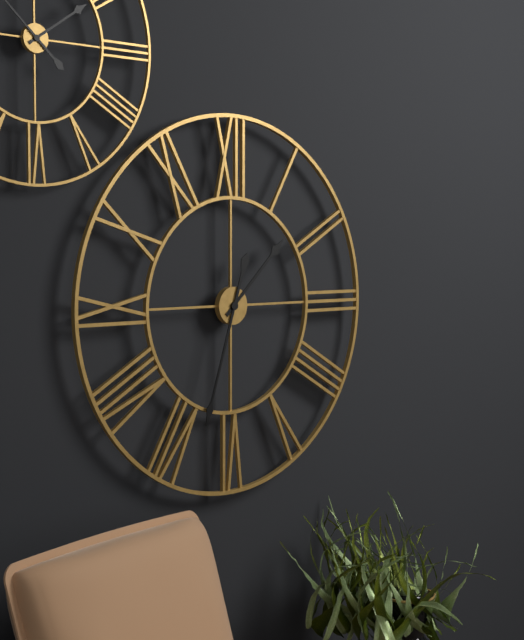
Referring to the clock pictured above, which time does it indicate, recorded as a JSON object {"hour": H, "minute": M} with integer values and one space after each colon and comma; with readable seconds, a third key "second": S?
{"hour": 1, "minute": 33}
